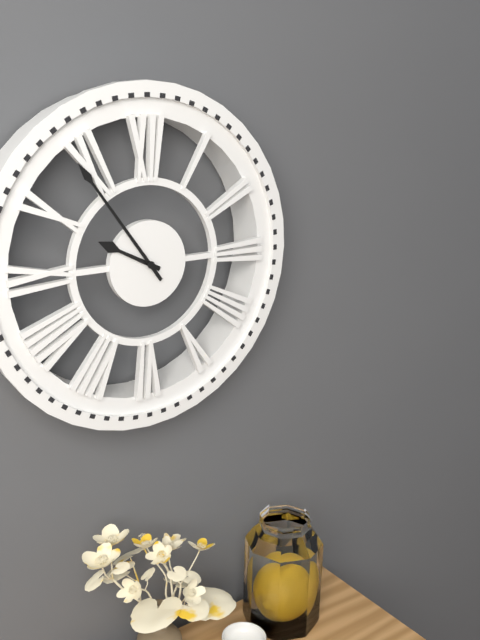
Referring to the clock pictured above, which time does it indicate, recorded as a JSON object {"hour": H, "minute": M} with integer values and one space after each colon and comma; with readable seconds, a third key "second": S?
{"hour": 9, "minute": 54}
